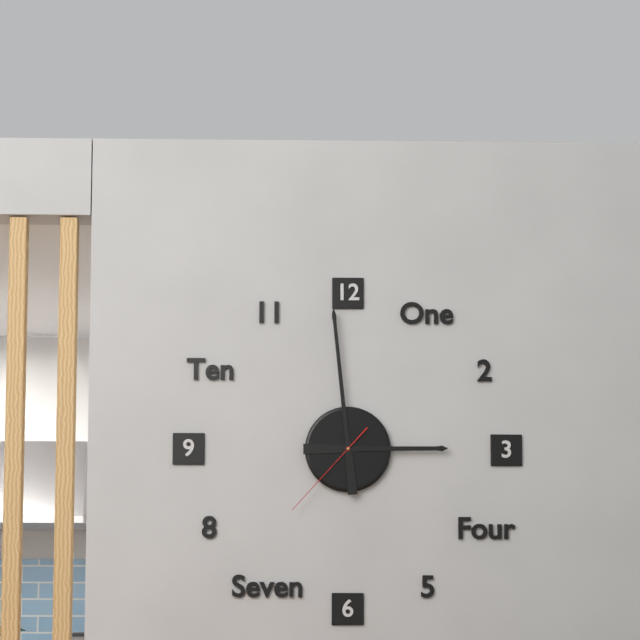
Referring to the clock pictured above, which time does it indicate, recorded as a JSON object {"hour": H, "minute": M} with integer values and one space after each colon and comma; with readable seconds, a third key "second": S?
{"hour": 2, "minute": 59, "second": 37}
